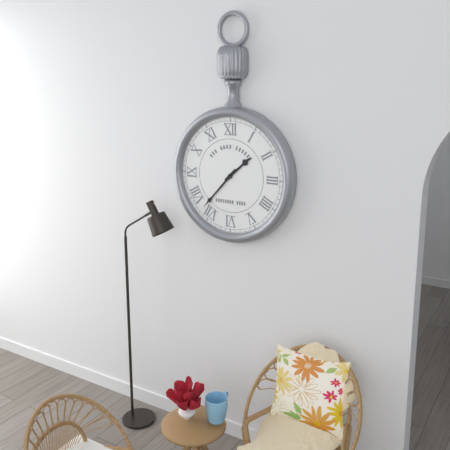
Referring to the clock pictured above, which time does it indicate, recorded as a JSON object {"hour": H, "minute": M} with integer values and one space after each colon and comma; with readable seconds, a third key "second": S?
{"hour": 1, "minute": 37}
